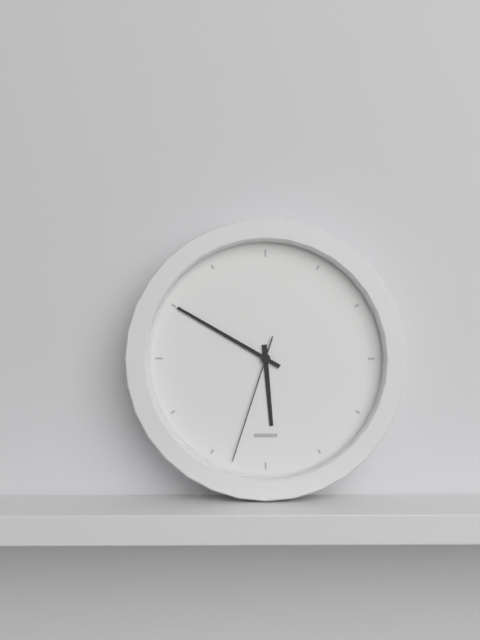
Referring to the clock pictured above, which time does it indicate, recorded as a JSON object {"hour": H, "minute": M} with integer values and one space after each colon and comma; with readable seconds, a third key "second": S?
{"hour": 5, "minute": 50, "second": 33}
